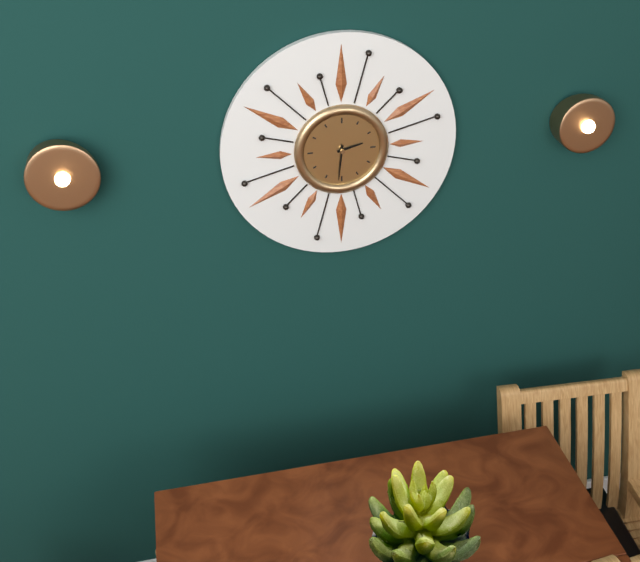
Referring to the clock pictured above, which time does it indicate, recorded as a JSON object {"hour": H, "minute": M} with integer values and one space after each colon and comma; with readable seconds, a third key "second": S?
{"hour": 2, "minute": 31}
